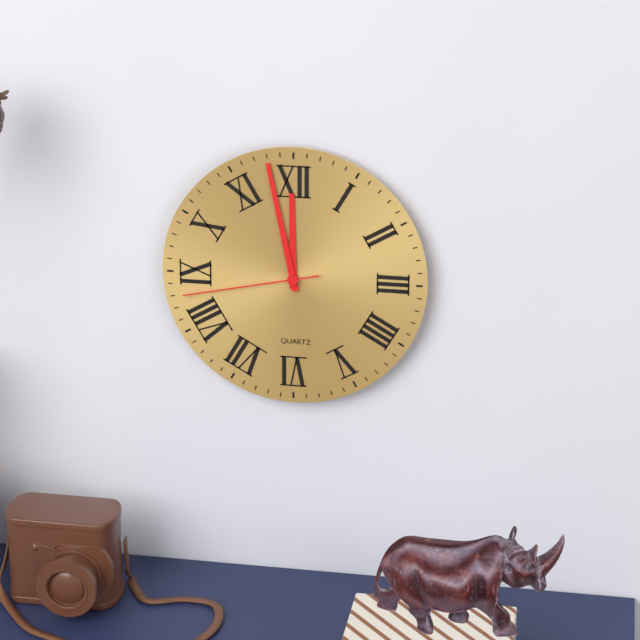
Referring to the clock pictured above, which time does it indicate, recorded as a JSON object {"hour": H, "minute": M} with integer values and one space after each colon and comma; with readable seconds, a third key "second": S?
{"hour": 11, "minute": 58, "second": 43}
